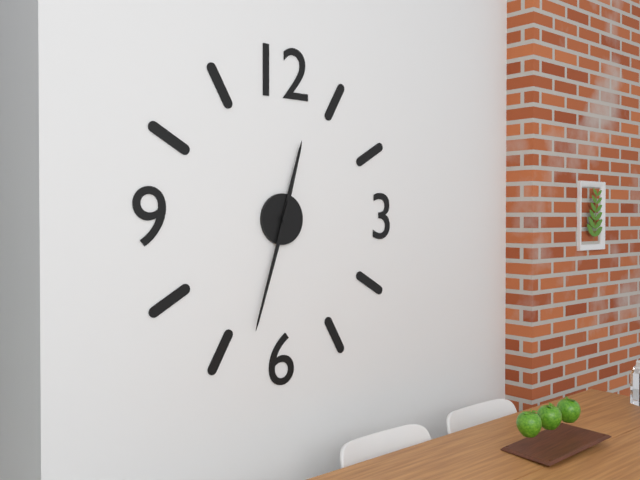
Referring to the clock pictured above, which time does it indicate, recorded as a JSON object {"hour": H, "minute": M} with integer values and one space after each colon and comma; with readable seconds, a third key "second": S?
{"hour": 12, "minute": 33}
